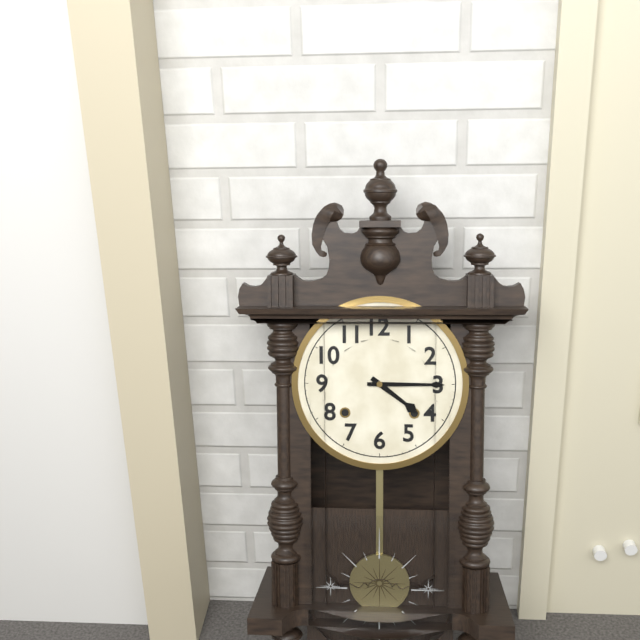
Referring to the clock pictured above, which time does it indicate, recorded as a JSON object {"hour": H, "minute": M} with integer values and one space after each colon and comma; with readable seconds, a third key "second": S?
{"hour": 4, "minute": 15}
